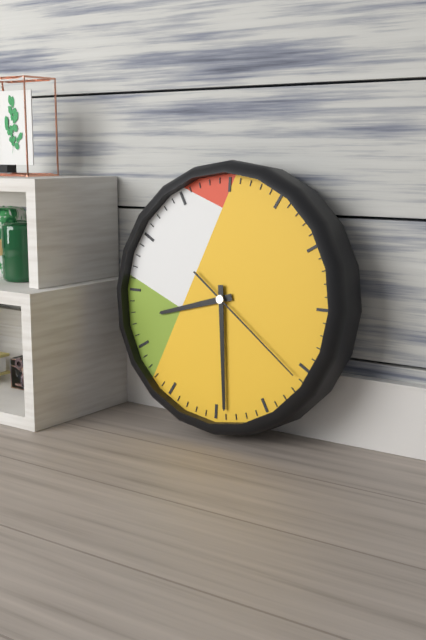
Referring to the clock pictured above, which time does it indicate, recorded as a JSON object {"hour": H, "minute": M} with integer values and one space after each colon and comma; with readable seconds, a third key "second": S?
{"hour": 8, "minute": 29, "second": 21}
